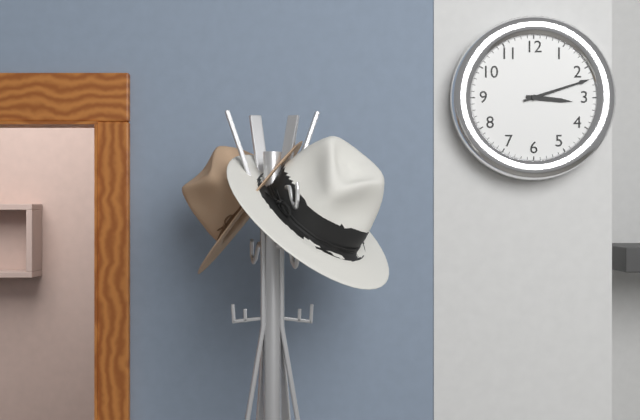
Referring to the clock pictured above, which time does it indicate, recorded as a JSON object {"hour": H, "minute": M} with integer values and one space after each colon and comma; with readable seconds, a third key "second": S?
{"hour": 3, "minute": 12}
